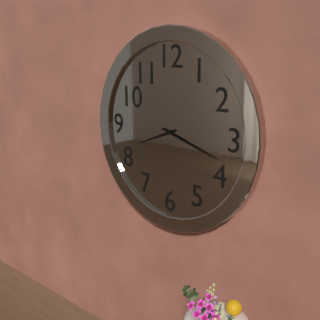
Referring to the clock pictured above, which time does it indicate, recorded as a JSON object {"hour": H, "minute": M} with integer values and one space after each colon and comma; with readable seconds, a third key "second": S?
{"hour": 8, "minute": 18}
